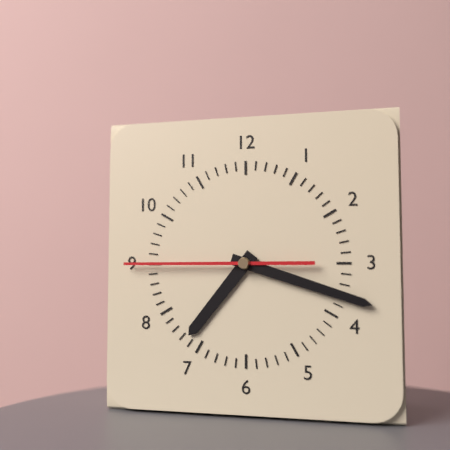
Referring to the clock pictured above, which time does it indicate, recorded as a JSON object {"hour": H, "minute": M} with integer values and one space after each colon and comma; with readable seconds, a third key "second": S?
{"hour": 7, "minute": 18, "second": 45}
